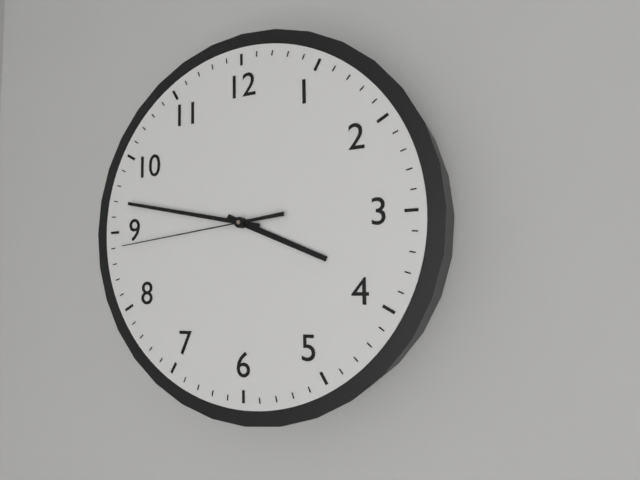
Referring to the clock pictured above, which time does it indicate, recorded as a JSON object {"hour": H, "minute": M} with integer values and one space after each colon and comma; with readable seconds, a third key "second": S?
{"hour": 3, "minute": 47, "second": 44}
